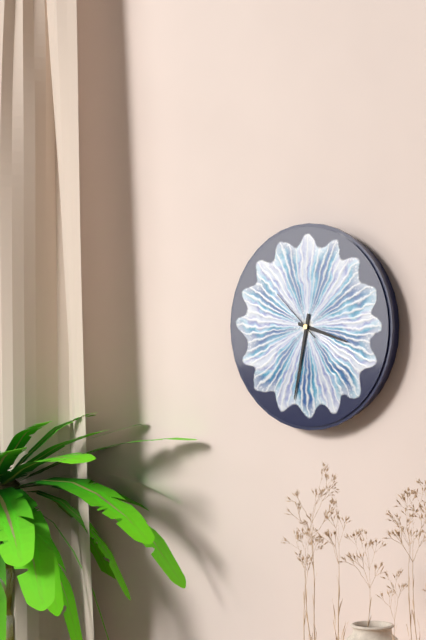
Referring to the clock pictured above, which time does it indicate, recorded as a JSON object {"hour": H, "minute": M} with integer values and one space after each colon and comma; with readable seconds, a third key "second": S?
{"hour": 3, "minute": 32, "second": 52}
